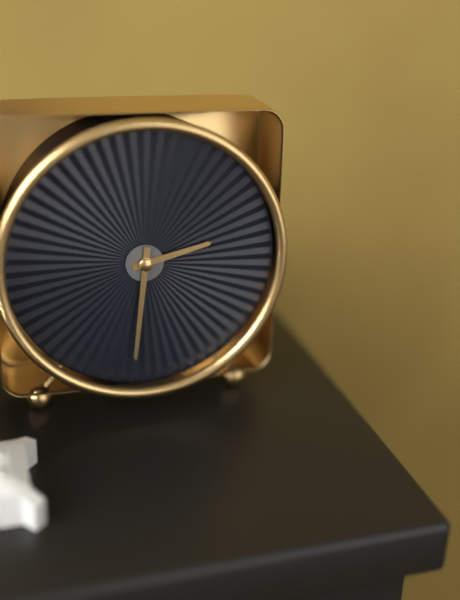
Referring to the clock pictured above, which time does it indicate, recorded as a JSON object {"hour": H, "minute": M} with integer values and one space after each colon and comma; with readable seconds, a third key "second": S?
{"hour": 2, "minute": 31}
